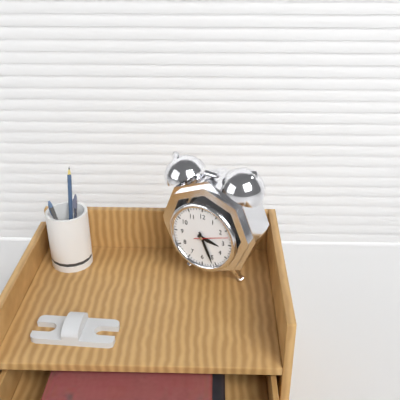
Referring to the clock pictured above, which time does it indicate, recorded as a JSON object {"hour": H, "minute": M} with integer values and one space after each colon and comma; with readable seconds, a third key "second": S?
{"hour": 3, "minute": 26}
